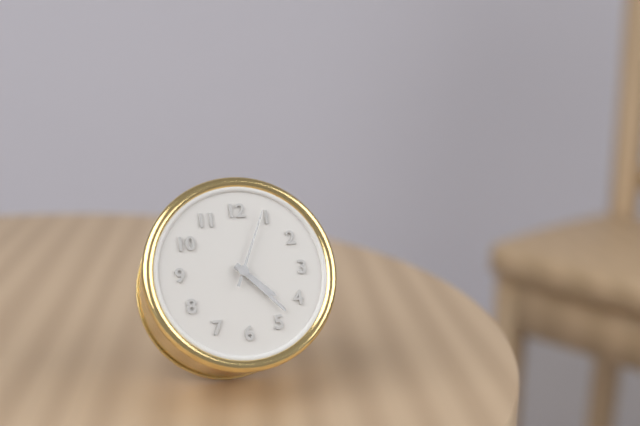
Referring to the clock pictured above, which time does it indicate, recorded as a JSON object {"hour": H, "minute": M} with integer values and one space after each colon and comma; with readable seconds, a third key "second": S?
{"hour": 4, "minute": 23, "second": 4}
